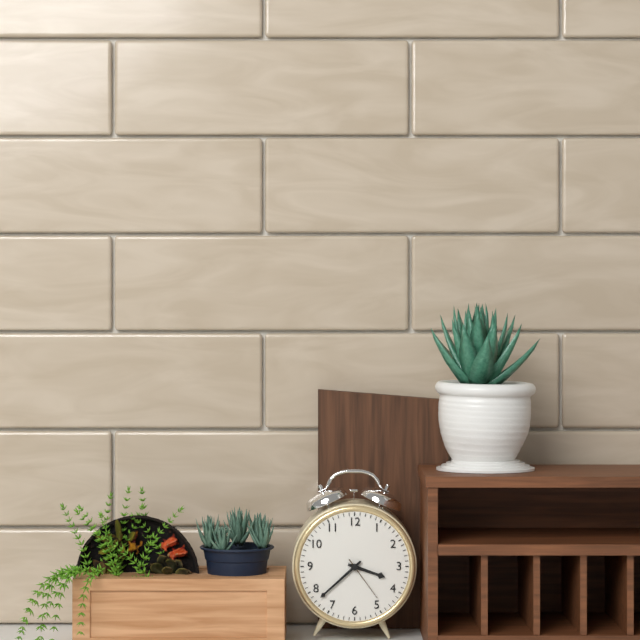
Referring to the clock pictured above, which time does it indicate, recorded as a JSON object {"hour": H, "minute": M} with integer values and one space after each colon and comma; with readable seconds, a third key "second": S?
{"hour": 3, "minute": 38}
